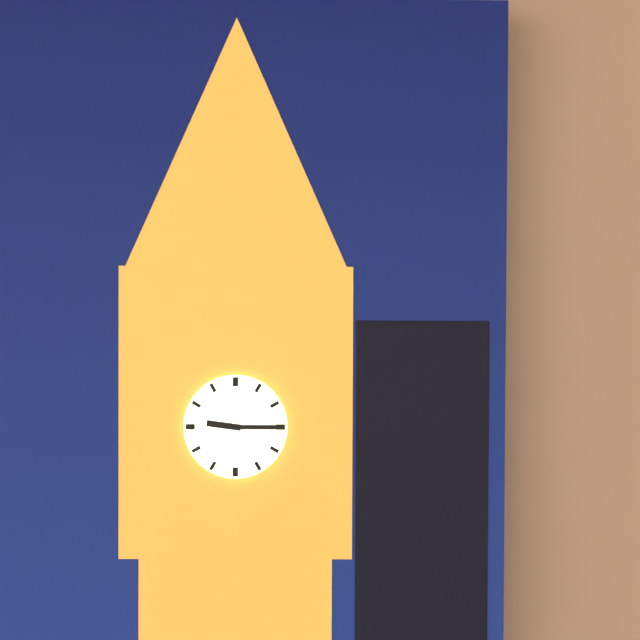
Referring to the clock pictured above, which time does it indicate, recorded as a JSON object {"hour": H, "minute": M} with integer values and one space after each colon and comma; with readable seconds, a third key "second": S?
{"hour": 9, "minute": 15}
